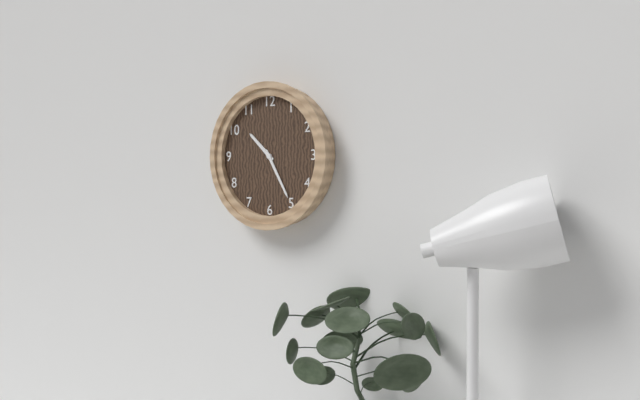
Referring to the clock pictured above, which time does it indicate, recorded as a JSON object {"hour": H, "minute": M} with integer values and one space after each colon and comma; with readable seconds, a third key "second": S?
{"hour": 10, "minute": 25}
